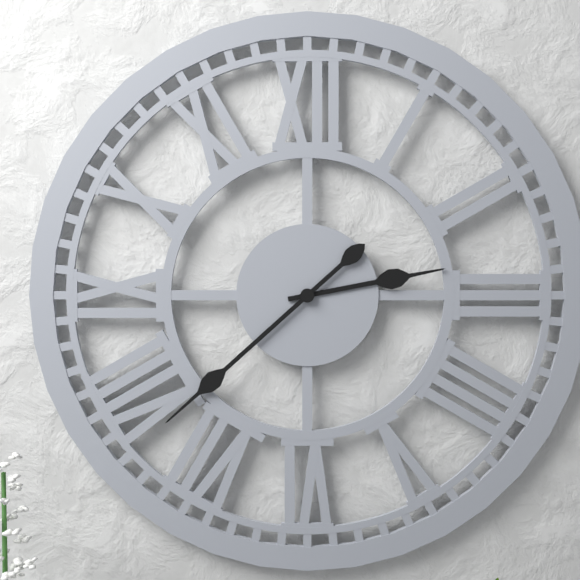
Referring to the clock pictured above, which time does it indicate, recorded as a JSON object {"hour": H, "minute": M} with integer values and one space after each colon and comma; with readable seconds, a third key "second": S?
{"hour": 2, "minute": 38}
